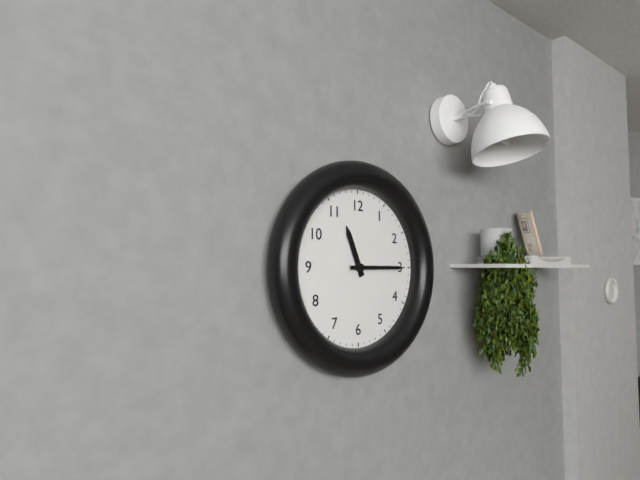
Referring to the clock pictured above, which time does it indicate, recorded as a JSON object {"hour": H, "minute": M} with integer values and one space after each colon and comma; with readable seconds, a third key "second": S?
{"hour": 11, "minute": 15}
